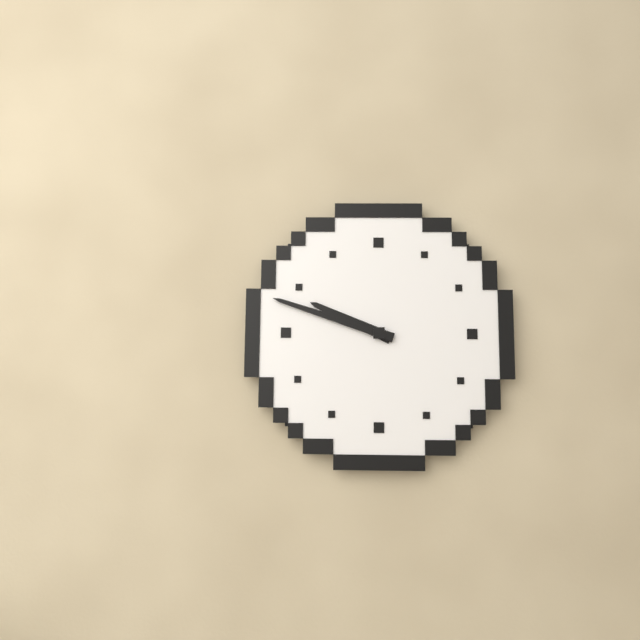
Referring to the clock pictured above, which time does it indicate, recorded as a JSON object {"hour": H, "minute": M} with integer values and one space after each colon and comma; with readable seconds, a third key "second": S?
{"hour": 9, "minute": 48}
